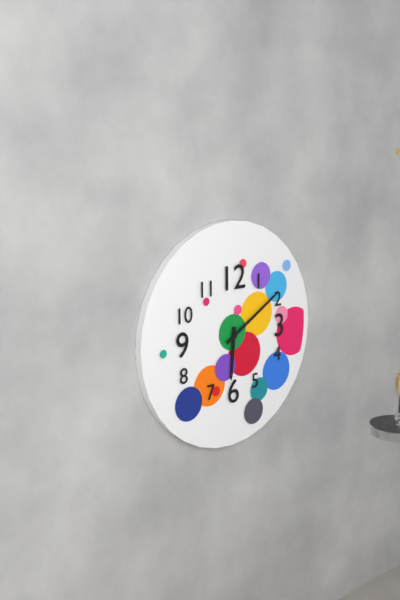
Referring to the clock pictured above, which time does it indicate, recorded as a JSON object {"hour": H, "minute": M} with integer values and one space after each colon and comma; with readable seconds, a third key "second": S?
{"hour": 6, "minute": 10}
